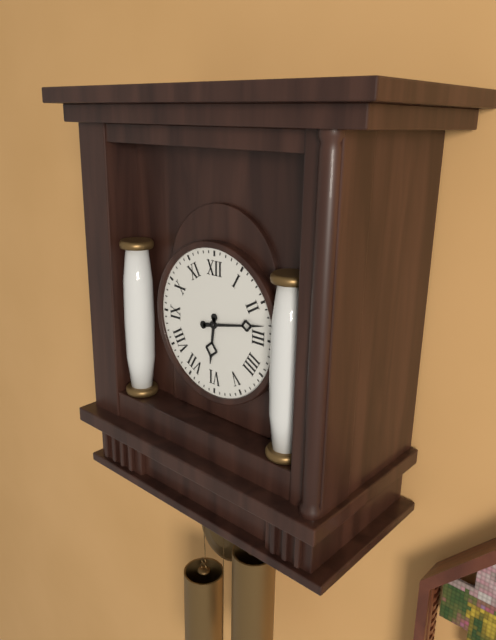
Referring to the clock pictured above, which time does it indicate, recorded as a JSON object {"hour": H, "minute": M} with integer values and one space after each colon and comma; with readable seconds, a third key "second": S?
{"hour": 6, "minute": 13}
